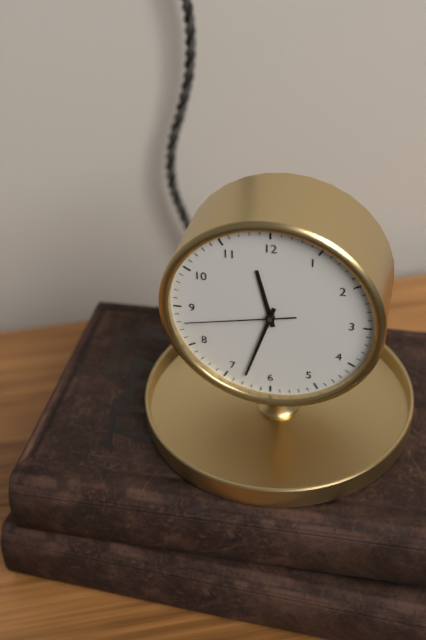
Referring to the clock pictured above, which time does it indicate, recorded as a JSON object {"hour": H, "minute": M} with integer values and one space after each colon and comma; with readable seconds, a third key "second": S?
{"hour": 11, "minute": 33, "second": 43}
